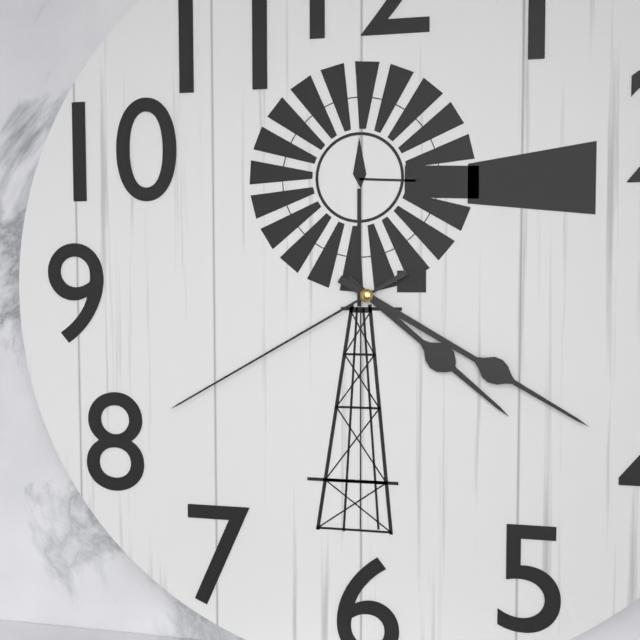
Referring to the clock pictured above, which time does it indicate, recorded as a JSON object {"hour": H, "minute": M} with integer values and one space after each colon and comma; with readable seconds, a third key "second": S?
{"hour": 4, "minute": 20, "second": 40}
